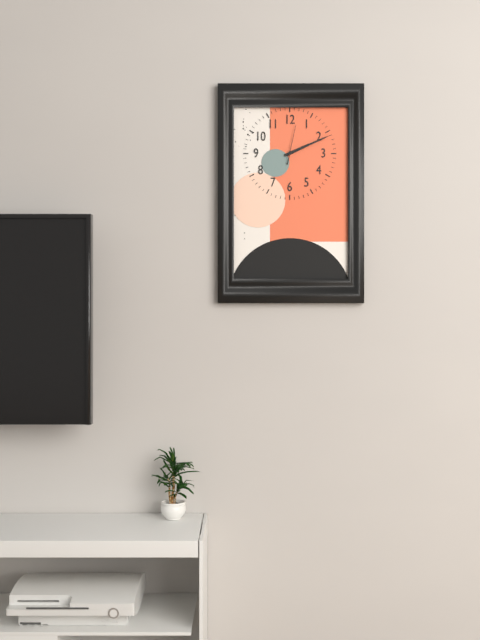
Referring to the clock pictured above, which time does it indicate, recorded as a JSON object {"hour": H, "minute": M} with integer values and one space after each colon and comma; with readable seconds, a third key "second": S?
{"hour": 2, "minute": 11}
